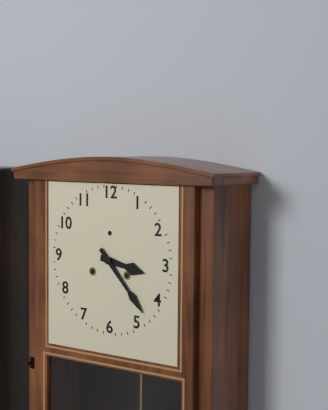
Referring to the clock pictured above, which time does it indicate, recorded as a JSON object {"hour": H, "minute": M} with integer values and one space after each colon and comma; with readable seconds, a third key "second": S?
{"hour": 3, "minute": 23}
